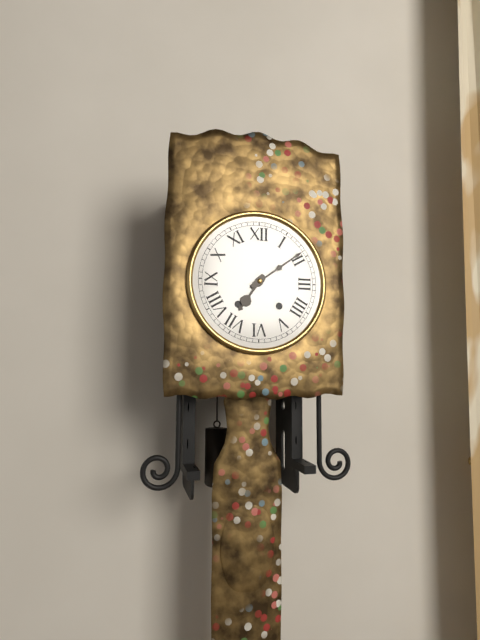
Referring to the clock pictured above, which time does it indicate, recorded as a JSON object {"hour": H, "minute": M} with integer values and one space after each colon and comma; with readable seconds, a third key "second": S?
{"hour": 7, "minute": 9}
